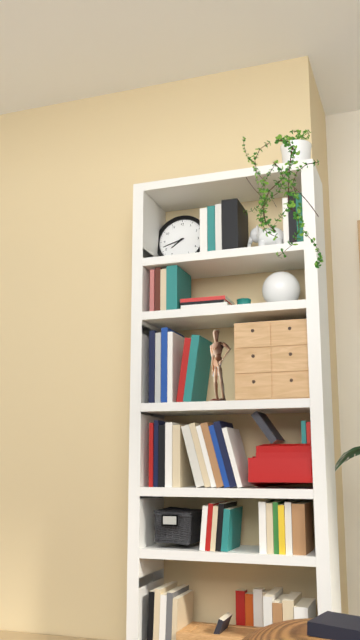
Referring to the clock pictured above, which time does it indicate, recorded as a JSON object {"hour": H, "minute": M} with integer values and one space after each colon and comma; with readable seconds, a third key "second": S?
{"hour": 7, "minute": 42}
